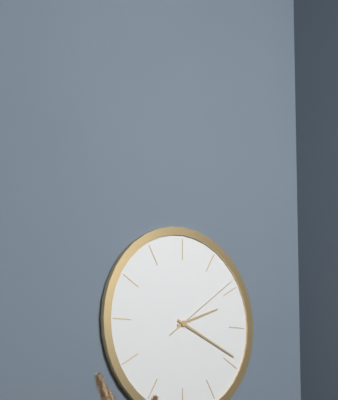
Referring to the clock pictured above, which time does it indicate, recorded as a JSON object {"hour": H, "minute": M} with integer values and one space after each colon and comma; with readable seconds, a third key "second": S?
{"hour": 2, "minute": 19, "second": 9}
